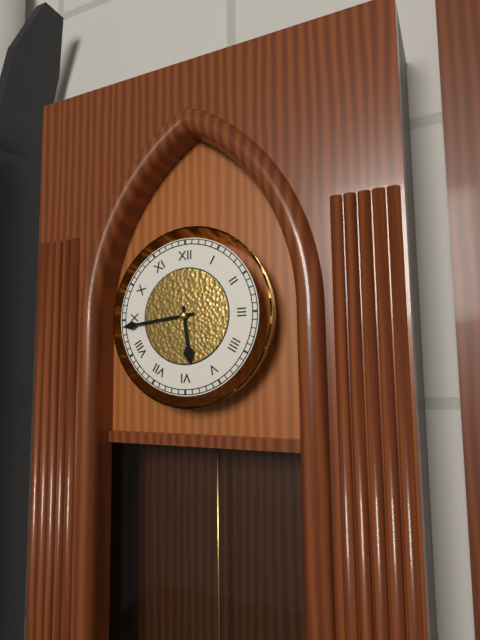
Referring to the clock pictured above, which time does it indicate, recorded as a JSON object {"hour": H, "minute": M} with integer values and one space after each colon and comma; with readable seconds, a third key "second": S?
{"hour": 5, "minute": 44}
